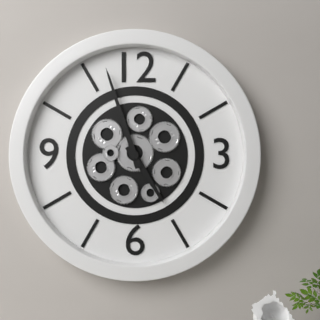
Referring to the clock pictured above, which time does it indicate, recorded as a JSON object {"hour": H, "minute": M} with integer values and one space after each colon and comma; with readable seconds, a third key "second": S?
{"hour": 4, "minute": 57}
